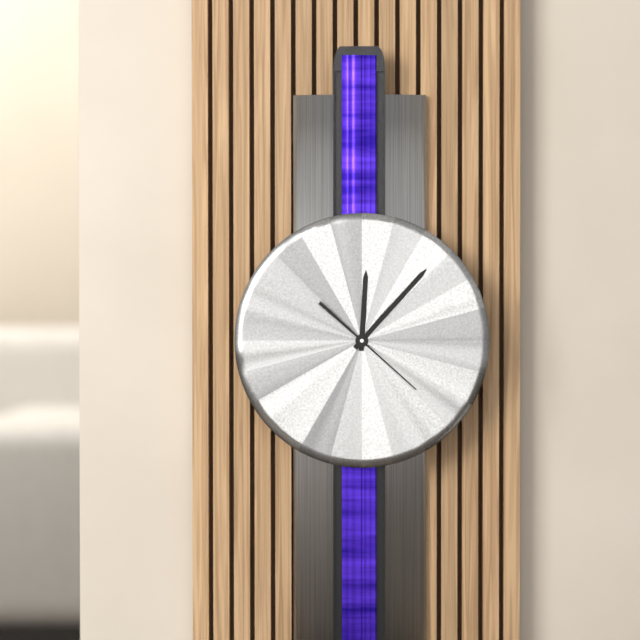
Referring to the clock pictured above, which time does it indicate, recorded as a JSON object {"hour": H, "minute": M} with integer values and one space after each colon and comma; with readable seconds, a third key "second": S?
{"hour": 12, "minute": 7, "second": 22}
